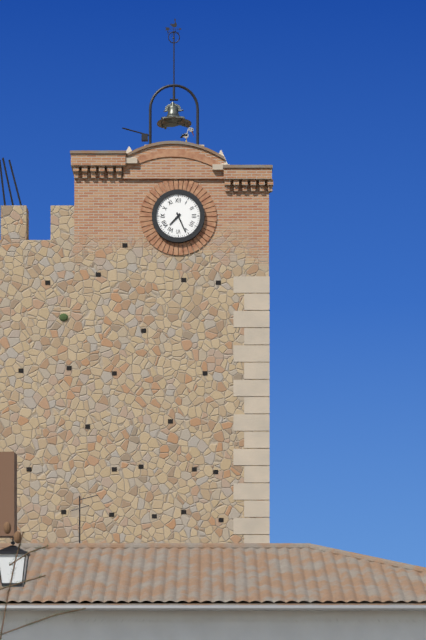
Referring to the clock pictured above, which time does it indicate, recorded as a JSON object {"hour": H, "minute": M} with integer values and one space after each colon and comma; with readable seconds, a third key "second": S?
{"hour": 7, "minute": 26}
